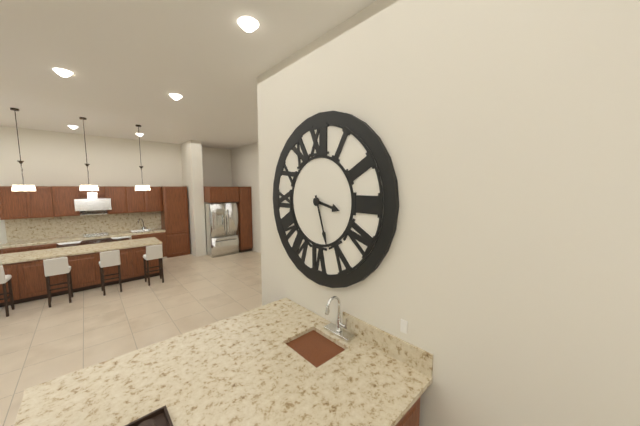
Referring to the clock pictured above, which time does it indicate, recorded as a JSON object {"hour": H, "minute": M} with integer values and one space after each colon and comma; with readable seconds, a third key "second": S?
{"hour": 3, "minute": 27}
